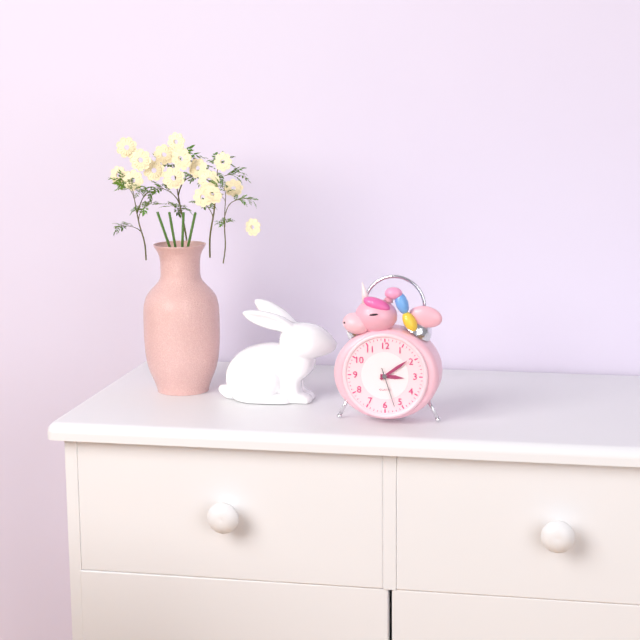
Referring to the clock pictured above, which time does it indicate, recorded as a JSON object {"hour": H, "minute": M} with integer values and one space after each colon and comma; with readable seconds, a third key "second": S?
{"hour": 3, "minute": 9}
